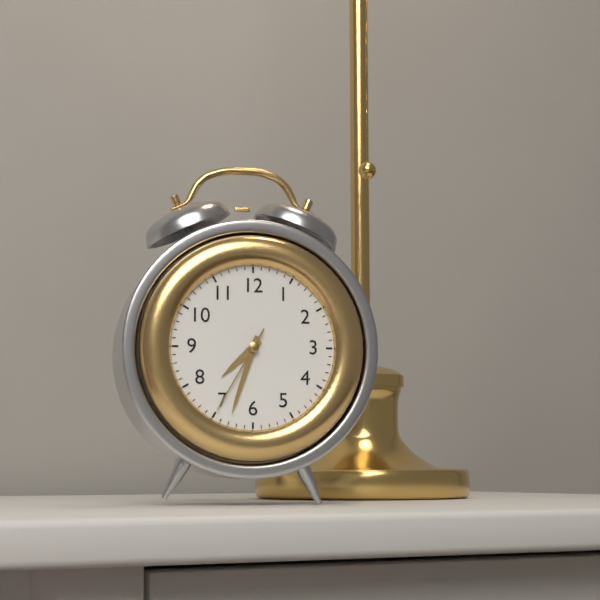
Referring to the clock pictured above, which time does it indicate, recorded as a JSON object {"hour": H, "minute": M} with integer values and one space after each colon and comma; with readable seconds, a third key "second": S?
{"hour": 7, "minute": 33, "second": 35}
